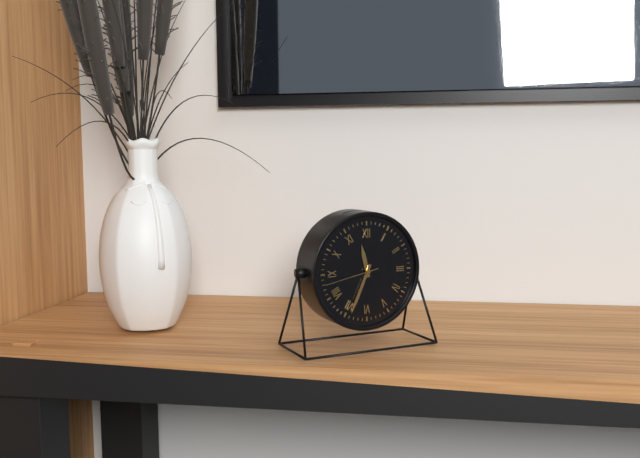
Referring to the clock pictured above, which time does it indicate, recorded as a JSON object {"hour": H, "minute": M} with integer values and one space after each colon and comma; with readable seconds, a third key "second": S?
{"hour": 11, "minute": 34, "second": 43}
